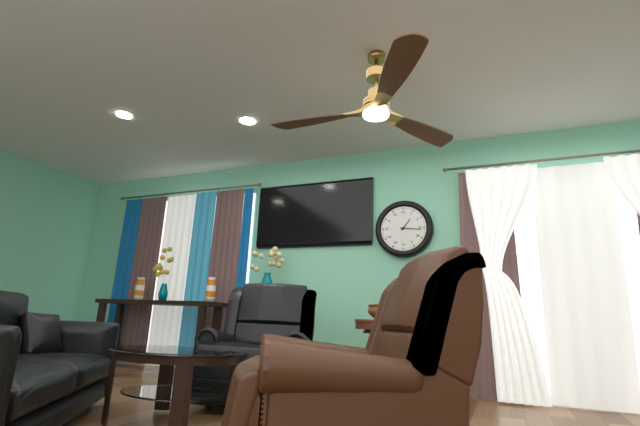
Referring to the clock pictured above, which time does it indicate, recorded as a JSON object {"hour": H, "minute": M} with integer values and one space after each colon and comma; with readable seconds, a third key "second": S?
{"hour": 1, "minute": 16}
